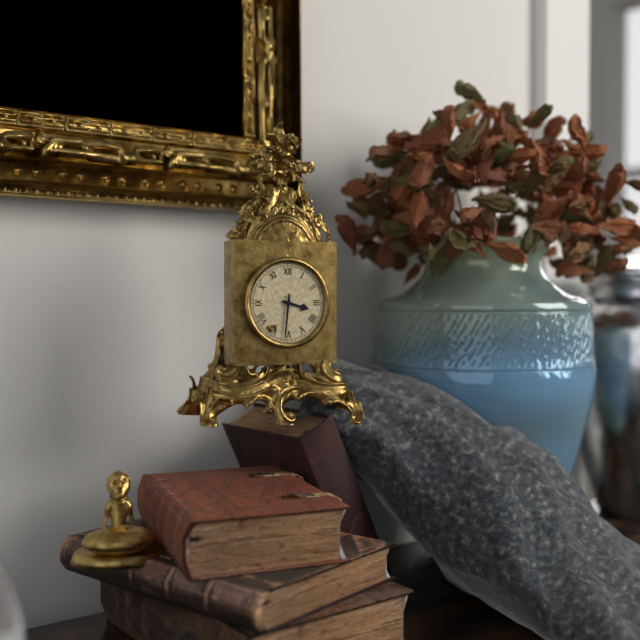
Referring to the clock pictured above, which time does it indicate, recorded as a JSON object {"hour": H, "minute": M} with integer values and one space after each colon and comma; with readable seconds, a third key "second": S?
{"hour": 3, "minute": 31}
